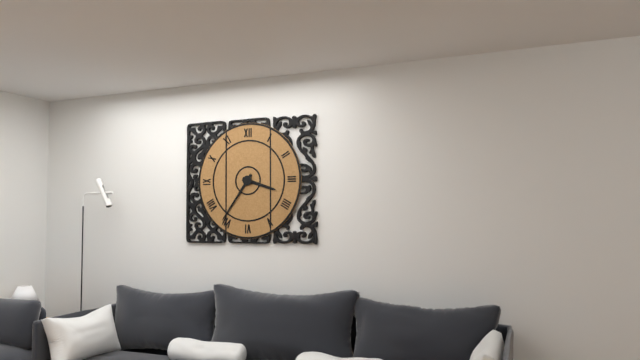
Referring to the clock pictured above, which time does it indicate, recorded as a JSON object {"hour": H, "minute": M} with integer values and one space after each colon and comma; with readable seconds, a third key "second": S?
{"hour": 3, "minute": 36}
